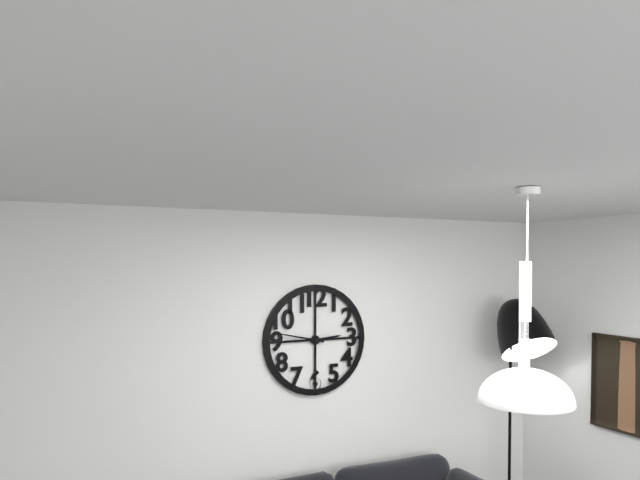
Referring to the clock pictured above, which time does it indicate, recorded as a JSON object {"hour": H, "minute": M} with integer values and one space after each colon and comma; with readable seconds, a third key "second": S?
{"hour": 2, "minute": 47}
